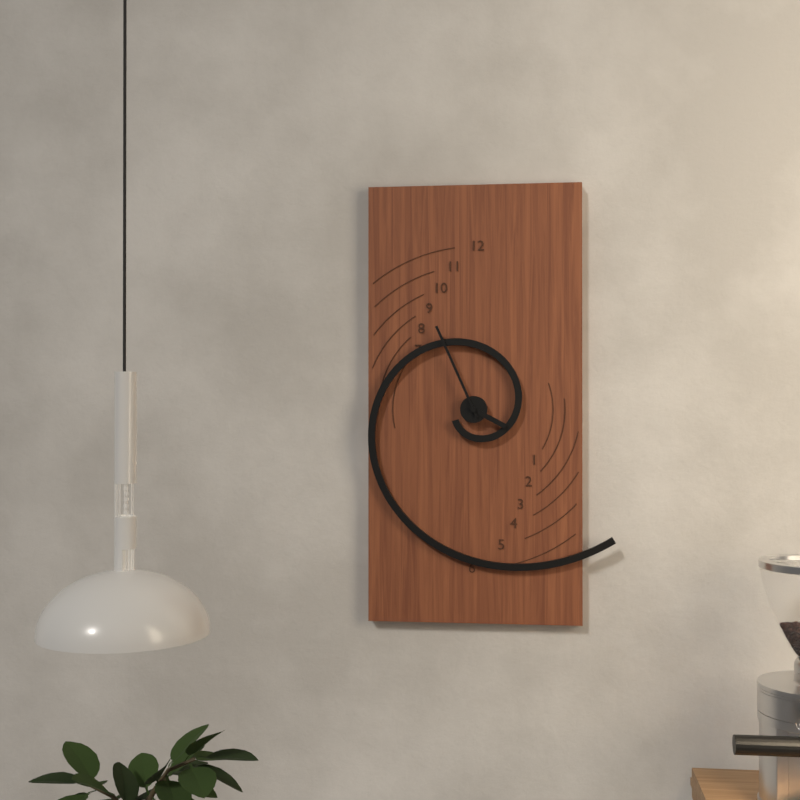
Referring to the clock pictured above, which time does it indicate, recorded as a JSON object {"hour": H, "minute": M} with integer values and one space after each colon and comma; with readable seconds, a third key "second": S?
{"hour": 3, "minute": 56}
